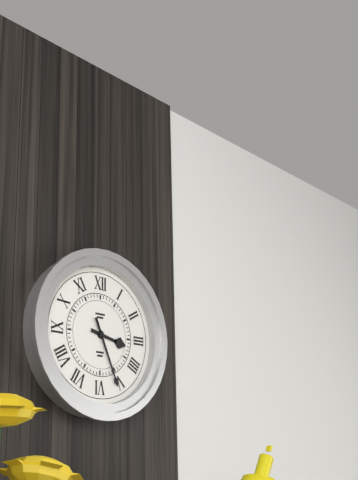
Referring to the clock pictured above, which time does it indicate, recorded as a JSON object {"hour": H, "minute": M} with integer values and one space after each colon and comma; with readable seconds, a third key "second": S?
{"hour": 3, "minute": 26}
